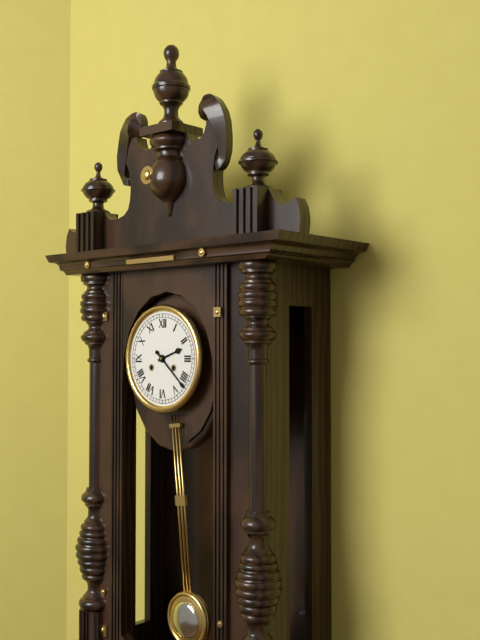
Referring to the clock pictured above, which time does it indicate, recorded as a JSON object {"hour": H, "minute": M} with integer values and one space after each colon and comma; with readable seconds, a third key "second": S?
{"hour": 2, "minute": 22}
